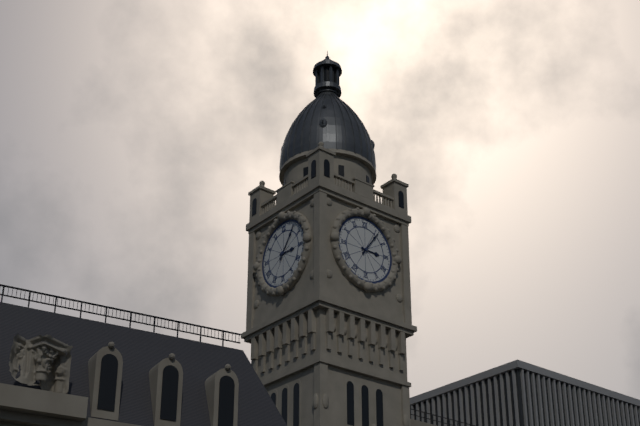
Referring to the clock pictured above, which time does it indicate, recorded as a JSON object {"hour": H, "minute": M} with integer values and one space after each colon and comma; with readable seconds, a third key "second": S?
{"hour": 3, "minute": 6}
